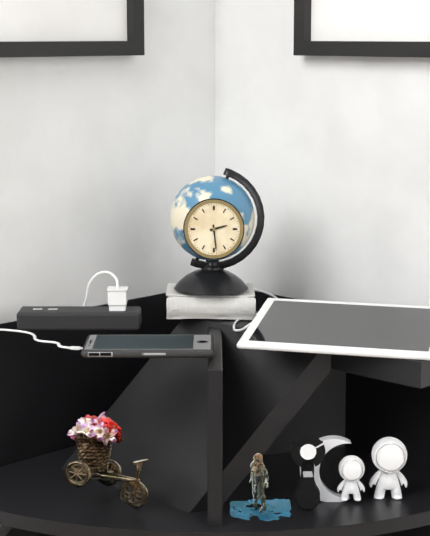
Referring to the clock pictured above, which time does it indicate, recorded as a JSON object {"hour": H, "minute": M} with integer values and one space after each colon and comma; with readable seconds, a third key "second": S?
{"hour": 2, "minute": 29}
